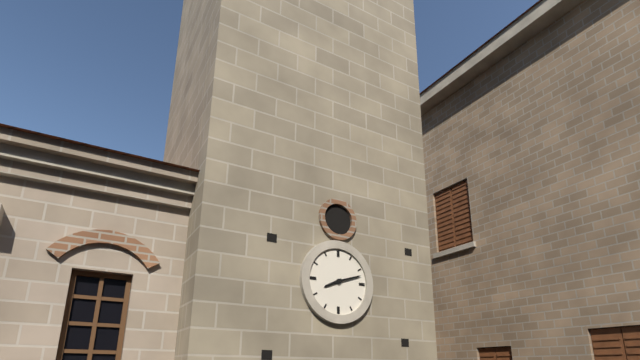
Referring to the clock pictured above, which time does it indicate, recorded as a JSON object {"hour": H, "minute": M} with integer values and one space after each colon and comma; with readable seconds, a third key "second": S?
{"hour": 8, "minute": 12}
